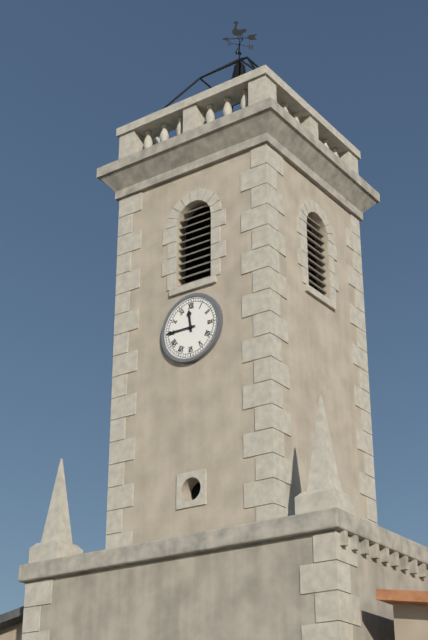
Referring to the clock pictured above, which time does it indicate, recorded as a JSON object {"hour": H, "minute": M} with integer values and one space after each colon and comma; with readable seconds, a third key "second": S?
{"hour": 11, "minute": 45}
